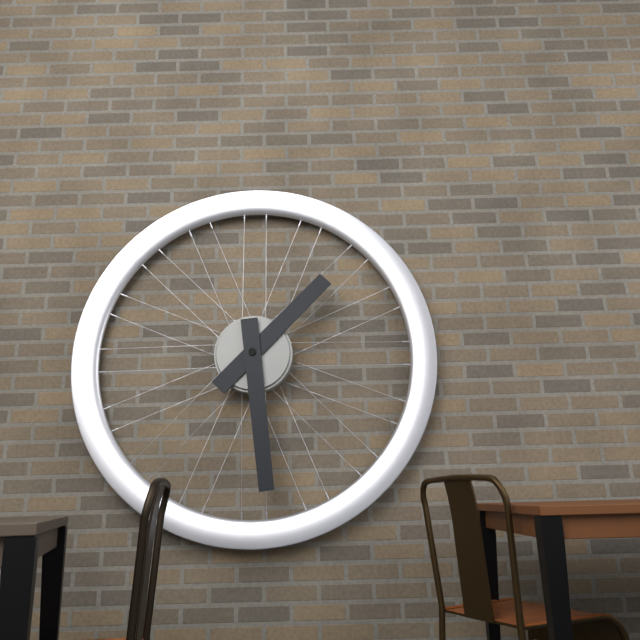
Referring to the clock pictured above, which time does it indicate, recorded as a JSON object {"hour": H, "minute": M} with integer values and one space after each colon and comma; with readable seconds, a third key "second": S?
{"hour": 1, "minute": 29}
